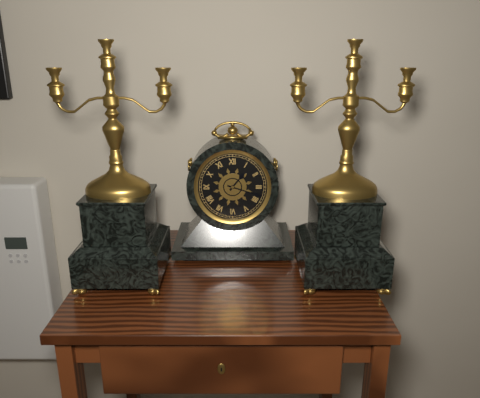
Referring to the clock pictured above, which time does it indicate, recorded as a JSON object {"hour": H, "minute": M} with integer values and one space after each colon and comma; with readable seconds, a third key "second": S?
{"hour": 1, "minute": 18}
